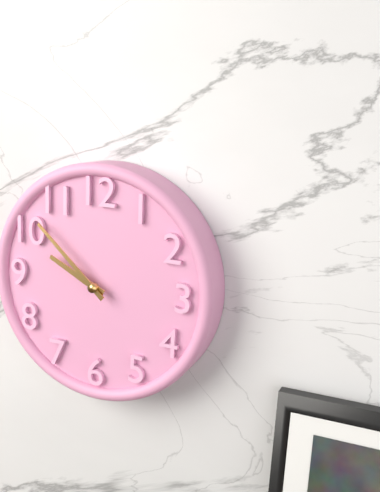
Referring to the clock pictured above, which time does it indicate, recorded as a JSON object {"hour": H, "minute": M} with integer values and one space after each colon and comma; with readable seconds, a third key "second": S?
{"hour": 9, "minute": 52}
